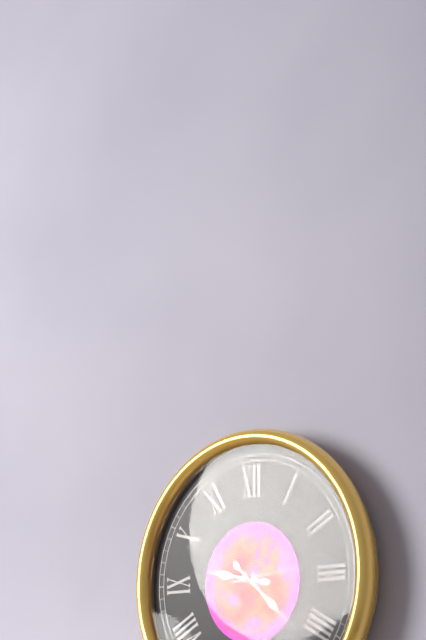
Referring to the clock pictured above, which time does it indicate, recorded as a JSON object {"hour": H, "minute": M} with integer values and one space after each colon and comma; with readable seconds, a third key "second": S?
{"hour": 9, "minute": 22, "second": 14}
